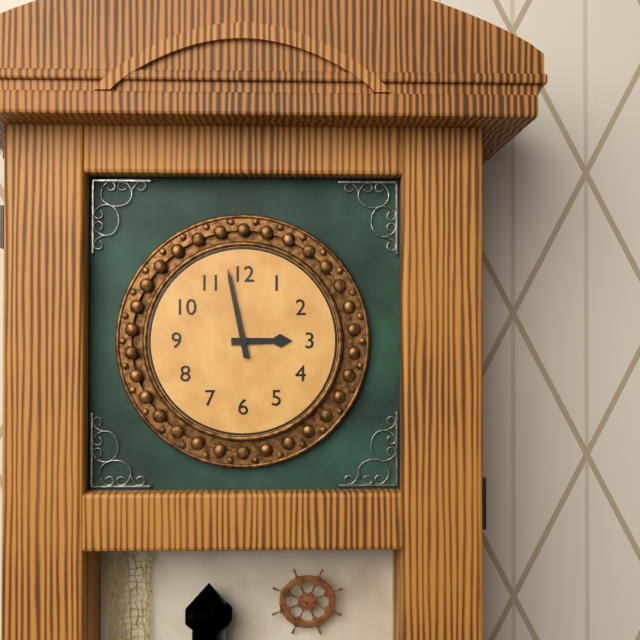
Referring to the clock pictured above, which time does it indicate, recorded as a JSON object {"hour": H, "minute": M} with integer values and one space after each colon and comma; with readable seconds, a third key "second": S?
{"hour": 2, "minute": 58}
